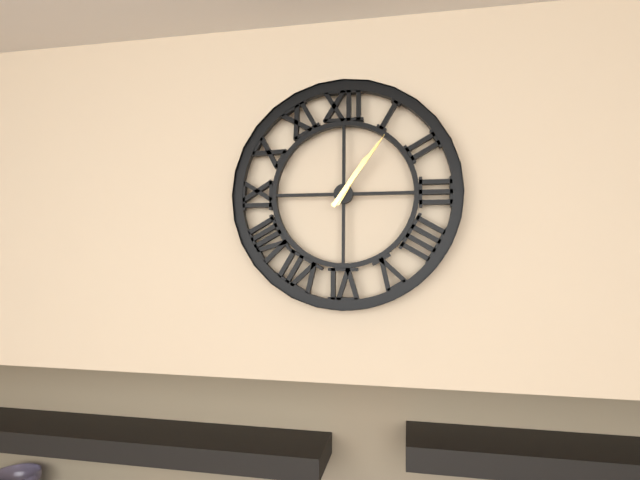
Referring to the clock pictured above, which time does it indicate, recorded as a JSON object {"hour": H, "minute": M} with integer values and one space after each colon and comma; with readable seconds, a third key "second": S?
{"hour": 1, "minute": 6}
